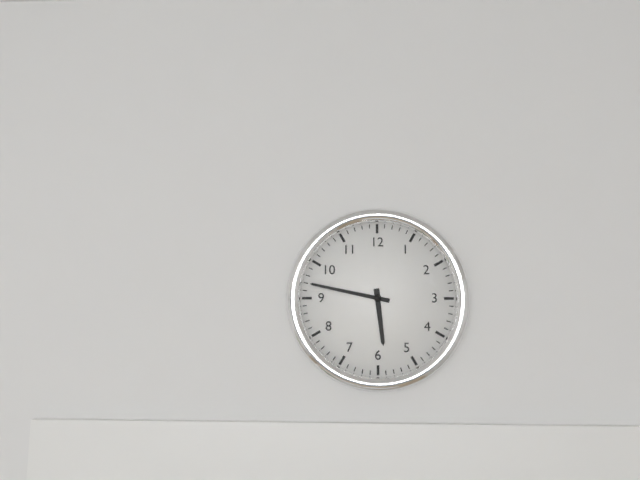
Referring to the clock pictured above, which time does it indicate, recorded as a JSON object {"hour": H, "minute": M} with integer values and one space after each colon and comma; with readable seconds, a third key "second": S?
{"hour": 5, "minute": 47}
